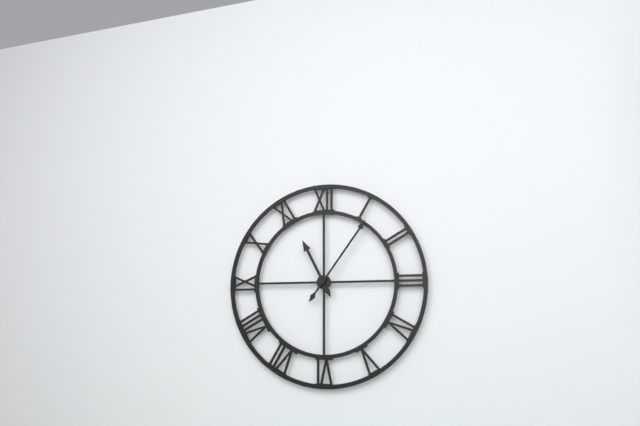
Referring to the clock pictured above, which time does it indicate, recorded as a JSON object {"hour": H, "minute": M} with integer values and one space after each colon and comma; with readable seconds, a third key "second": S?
{"hour": 11, "minute": 6}
